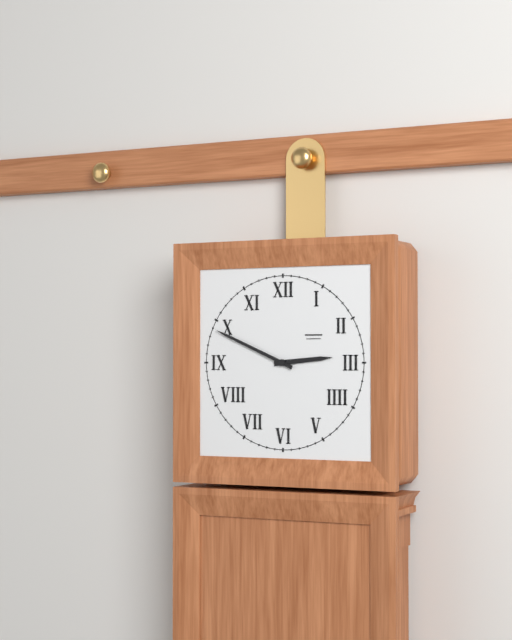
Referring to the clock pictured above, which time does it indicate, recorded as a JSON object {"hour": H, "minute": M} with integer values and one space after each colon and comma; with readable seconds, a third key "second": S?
{"hour": 2, "minute": 49}
